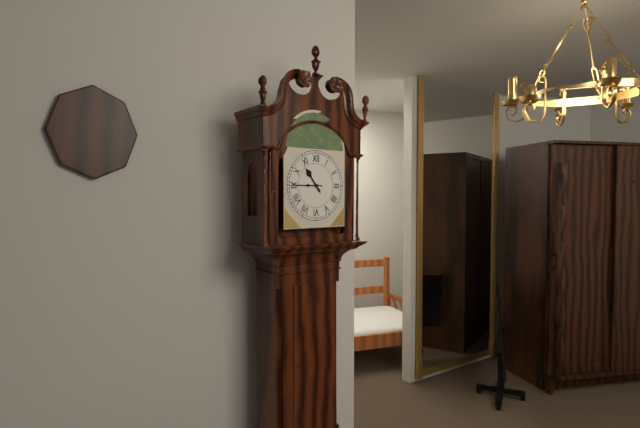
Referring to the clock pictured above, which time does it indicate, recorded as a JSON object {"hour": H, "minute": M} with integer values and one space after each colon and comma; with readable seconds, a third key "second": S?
{"hour": 10, "minute": 45}
